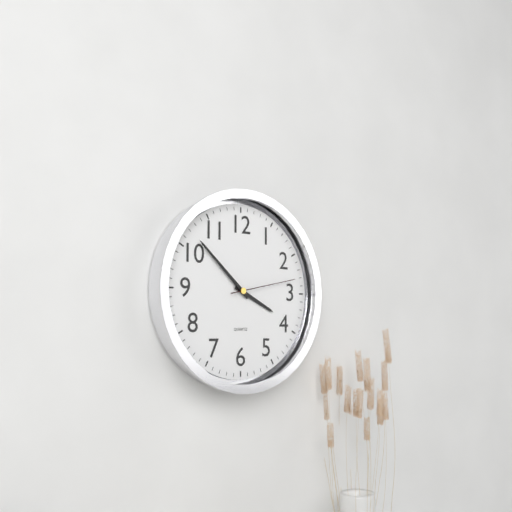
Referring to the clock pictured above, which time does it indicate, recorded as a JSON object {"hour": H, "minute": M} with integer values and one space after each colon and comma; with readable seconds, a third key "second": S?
{"hour": 3, "minute": 52, "second": 13}
